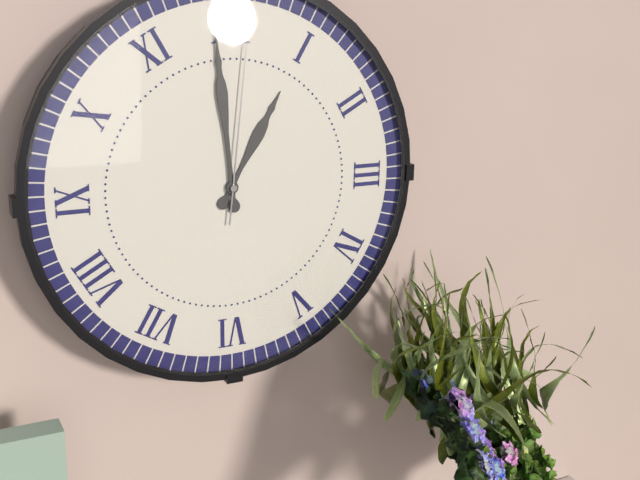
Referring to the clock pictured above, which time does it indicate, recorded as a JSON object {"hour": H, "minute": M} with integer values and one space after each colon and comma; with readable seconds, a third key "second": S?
{"hour": 12, "minute": 59, "second": 1}
